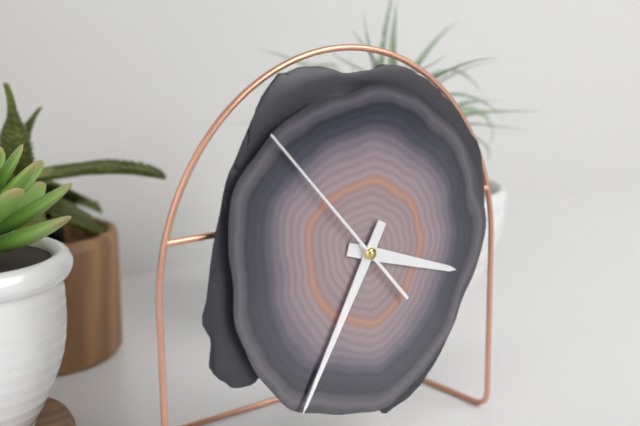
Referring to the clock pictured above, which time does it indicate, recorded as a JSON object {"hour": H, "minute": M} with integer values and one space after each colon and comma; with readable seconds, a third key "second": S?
{"hour": 3, "minute": 35, "second": 53}
